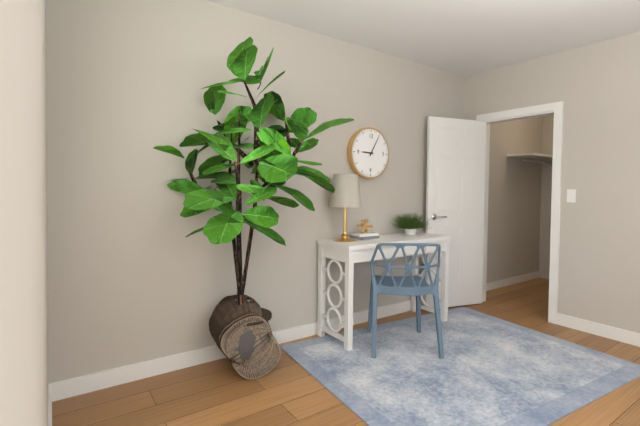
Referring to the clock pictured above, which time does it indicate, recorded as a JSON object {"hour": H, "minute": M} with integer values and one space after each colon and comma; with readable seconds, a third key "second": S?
{"hour": 9, "minute": 5}
